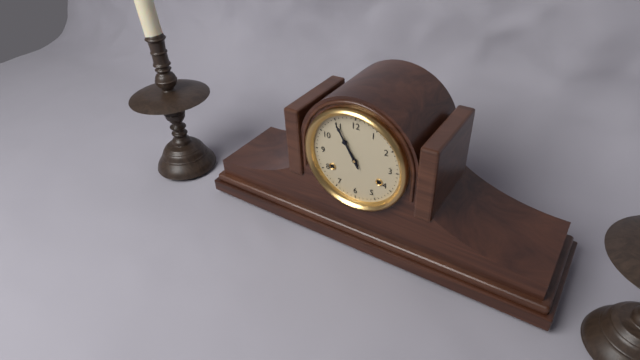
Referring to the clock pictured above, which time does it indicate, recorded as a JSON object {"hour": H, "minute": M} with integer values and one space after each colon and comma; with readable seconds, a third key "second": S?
{"hour": 10, "minute": 55}
